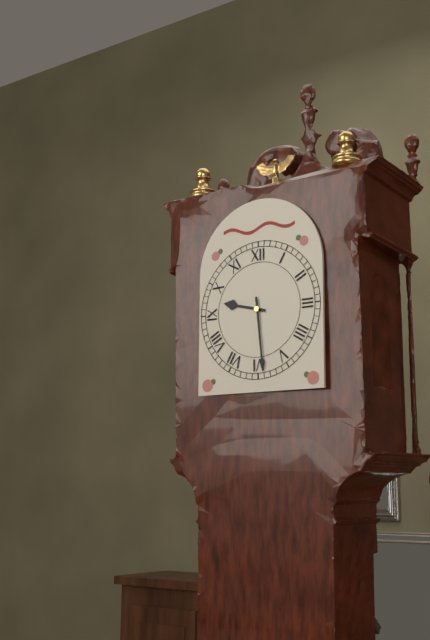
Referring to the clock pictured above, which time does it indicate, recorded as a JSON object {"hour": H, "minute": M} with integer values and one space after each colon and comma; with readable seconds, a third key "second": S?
{"hour": 9, "minute": 29}
